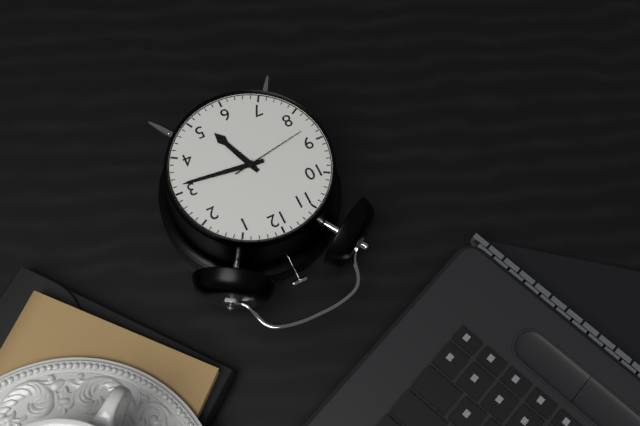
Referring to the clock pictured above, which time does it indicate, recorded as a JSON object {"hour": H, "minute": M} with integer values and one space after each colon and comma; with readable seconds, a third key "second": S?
{"hour": 5, "minute": 16, "second": 43}
